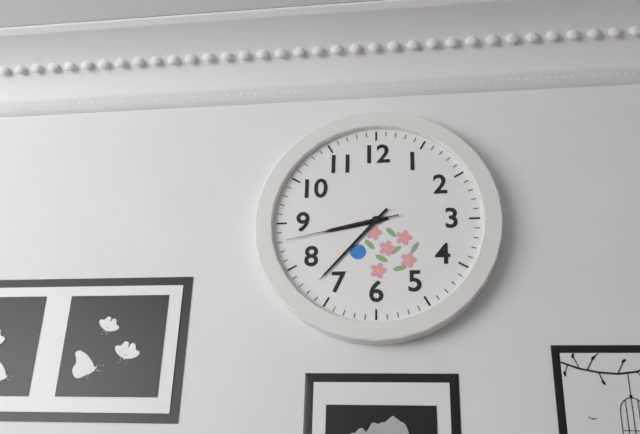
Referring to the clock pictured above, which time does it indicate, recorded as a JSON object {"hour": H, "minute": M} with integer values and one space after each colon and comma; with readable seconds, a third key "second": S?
{"hour": 8, "minute": 37, "second": 43}
